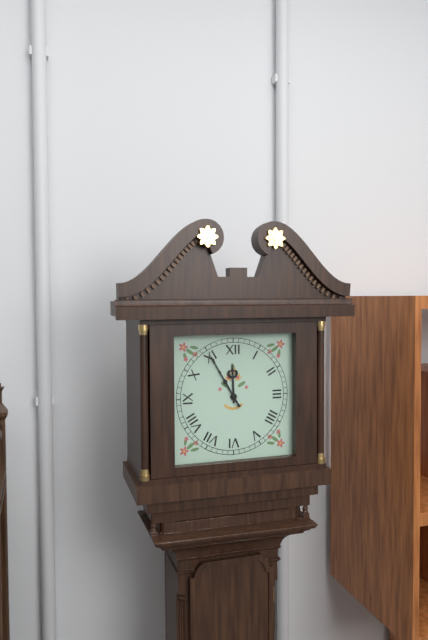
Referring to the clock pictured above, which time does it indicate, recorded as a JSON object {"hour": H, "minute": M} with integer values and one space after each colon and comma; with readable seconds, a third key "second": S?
{"hour": 11, "minute": 55}
